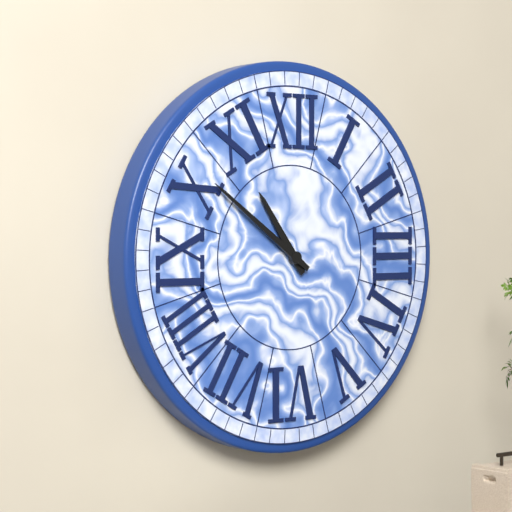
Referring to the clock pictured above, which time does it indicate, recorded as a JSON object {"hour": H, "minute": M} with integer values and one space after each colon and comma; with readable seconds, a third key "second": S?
{"hour": 10, "minute": 51}
